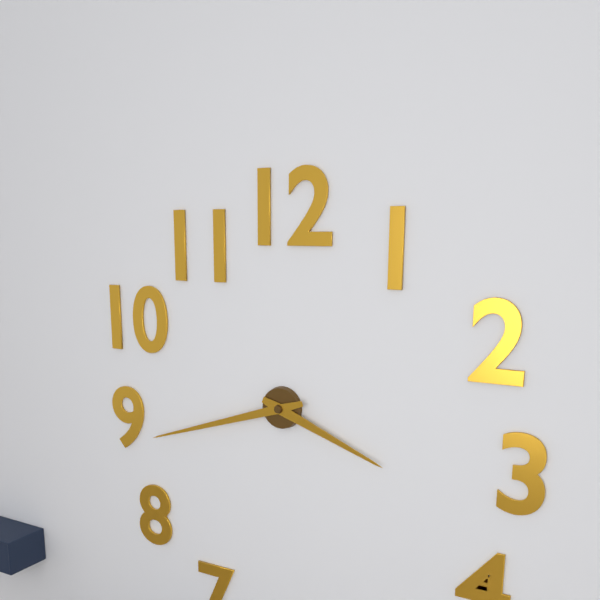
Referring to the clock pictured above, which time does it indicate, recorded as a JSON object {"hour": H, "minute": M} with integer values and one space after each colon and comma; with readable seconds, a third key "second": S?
{"hour": 3, "minute": 42}
